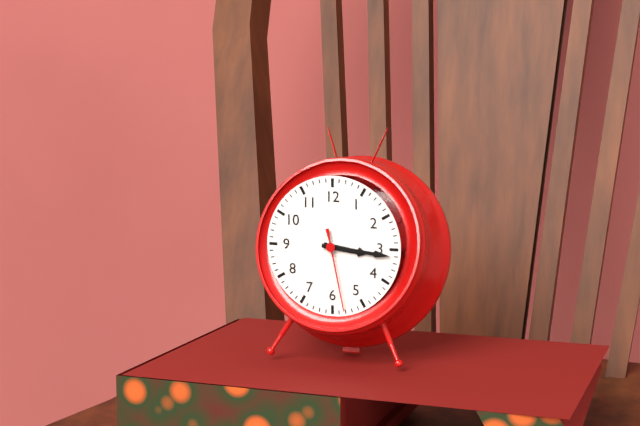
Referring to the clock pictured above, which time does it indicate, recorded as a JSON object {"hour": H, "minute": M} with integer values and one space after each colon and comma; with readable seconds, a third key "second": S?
{"hour": 3, "minute": 16, "second": 28}
